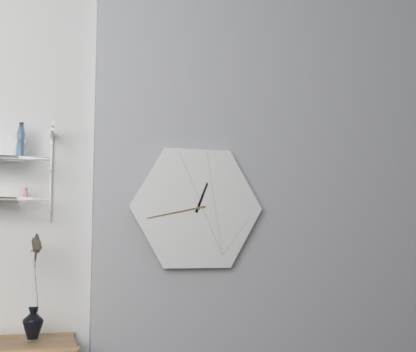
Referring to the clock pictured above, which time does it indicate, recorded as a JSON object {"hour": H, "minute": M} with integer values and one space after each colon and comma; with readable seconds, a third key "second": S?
{"hour": 12, "minute": 43}
